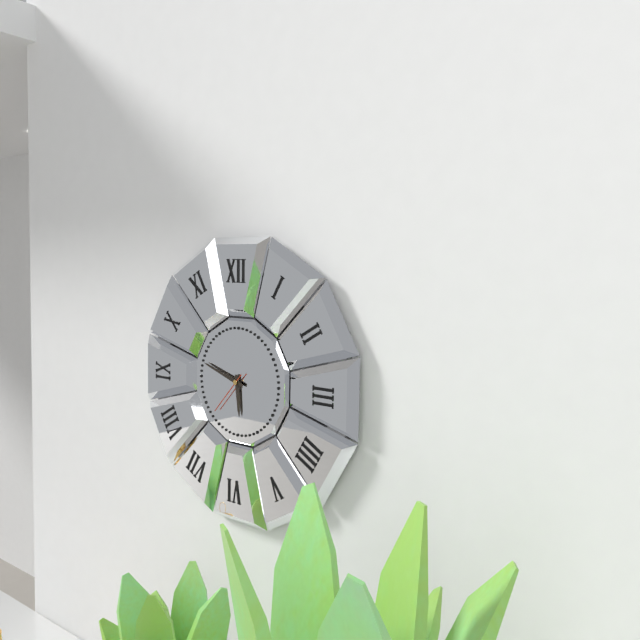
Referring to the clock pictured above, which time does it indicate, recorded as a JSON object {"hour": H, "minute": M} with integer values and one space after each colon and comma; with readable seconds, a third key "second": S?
{"hour": 5, "minute": 48, "second": 37}
